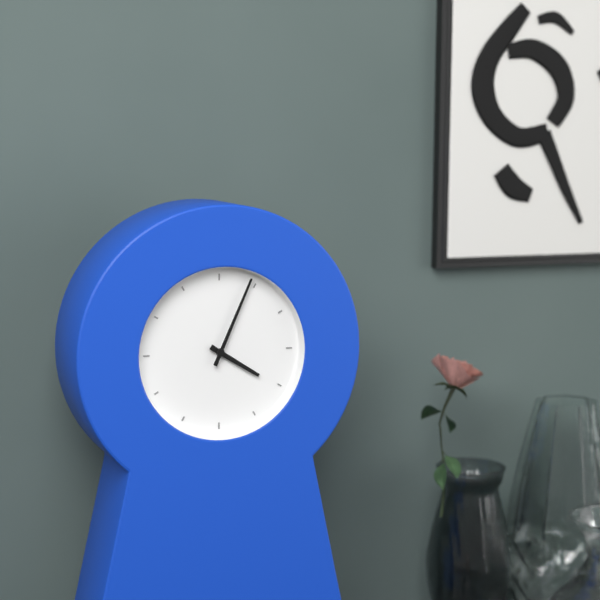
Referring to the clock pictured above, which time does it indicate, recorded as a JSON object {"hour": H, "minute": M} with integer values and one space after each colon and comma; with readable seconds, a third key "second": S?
{"hour": 4, "minute": 4}
